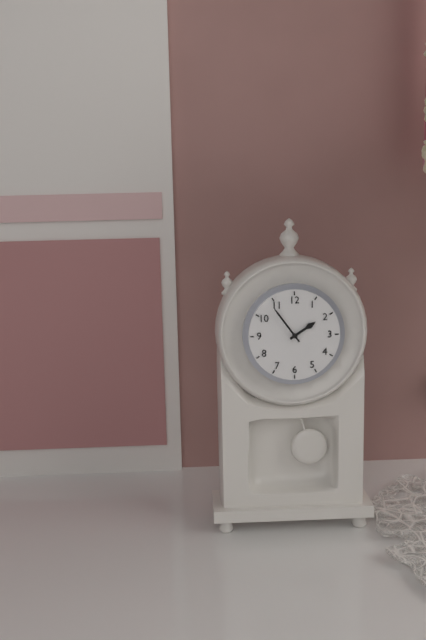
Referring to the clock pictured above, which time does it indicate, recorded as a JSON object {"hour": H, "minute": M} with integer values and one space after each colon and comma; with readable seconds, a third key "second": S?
{"hour": 1, "minute": 54}
